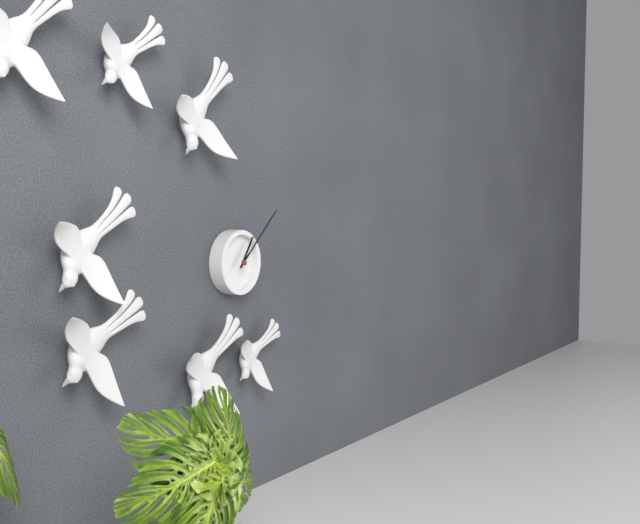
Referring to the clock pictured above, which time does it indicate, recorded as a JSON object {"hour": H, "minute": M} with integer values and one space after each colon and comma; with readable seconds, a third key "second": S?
{"hour": 1, "minute": 8}
